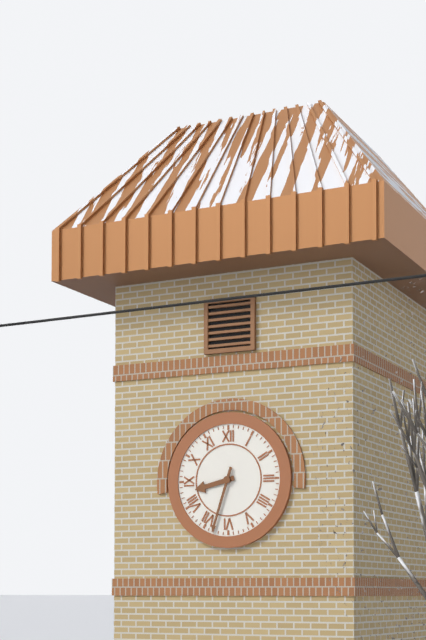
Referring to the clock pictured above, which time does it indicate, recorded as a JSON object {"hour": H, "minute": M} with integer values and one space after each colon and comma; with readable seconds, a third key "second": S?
{"hour": 8, "minute": 33}
